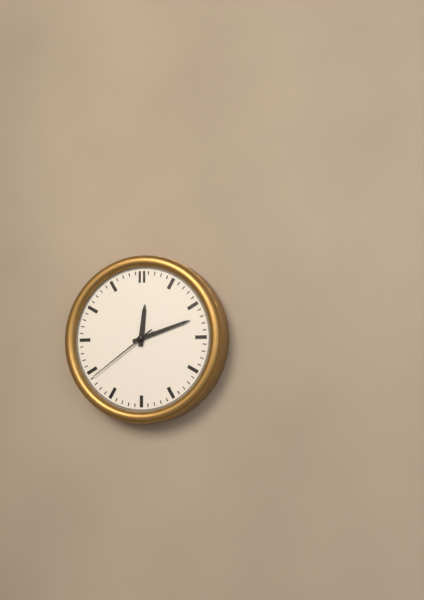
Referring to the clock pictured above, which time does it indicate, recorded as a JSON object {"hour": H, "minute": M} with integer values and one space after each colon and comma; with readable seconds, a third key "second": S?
{"hour": 12, "minute": 12, "second": 39}
